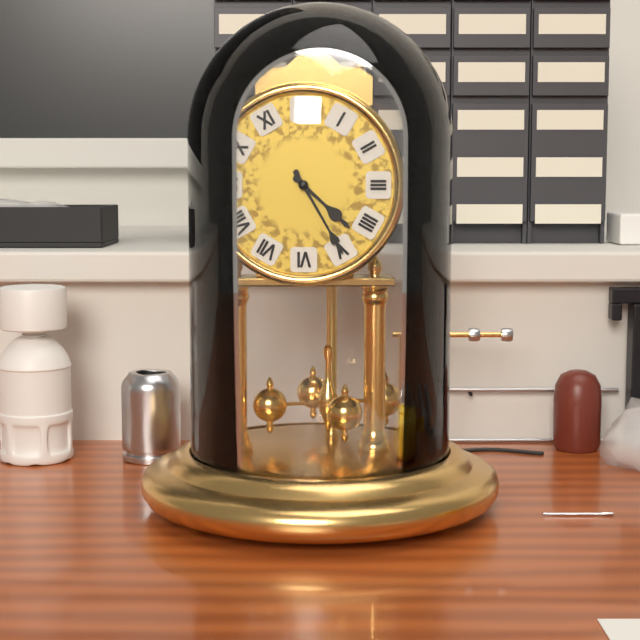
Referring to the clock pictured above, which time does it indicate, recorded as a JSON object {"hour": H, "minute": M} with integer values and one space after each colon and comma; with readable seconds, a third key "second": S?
{"hour": 4, "minute": 25}
